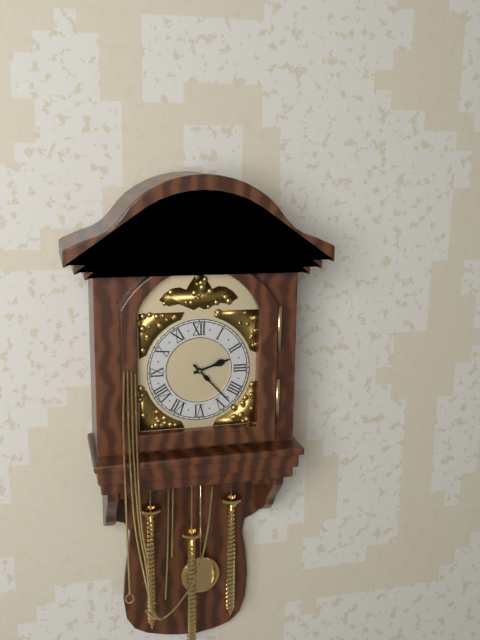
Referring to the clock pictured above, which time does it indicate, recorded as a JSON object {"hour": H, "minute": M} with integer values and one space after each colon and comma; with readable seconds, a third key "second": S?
{"hour": 2, "minute": 23}
